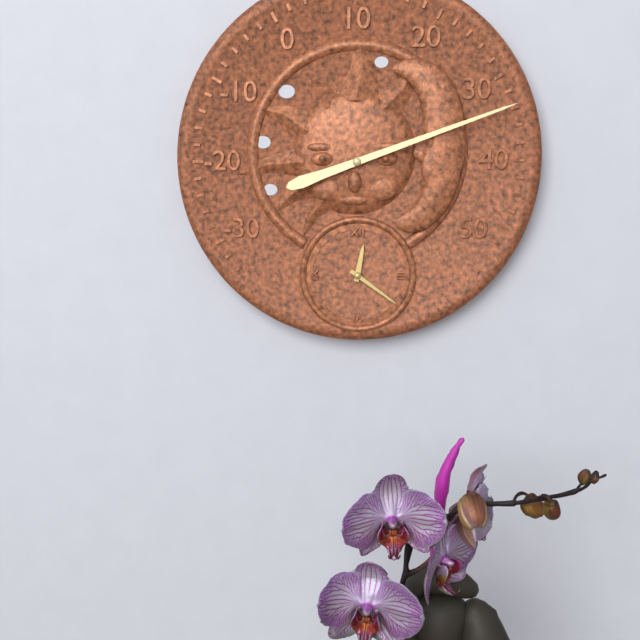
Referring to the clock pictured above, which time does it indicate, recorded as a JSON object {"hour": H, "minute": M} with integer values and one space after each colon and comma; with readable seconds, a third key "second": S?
{"hour": 12, "minute": 21}
